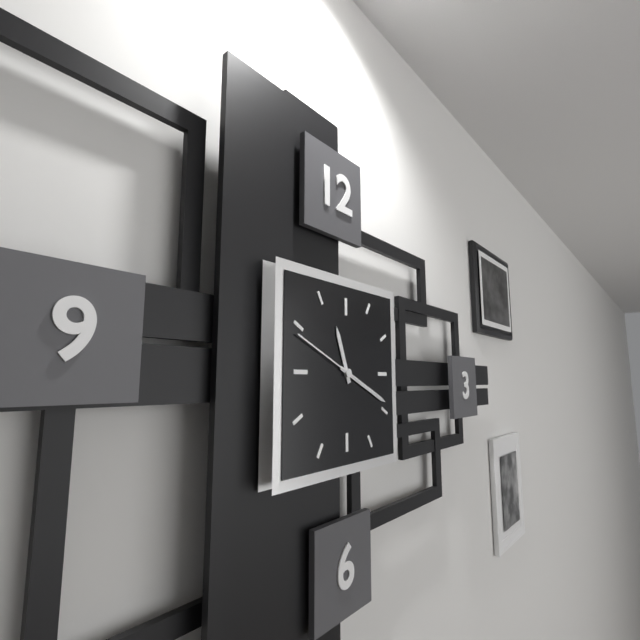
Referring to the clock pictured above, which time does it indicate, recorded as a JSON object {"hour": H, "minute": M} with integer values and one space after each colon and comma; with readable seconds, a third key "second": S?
{"hour": 11, "minute": 19, "second": 49}
